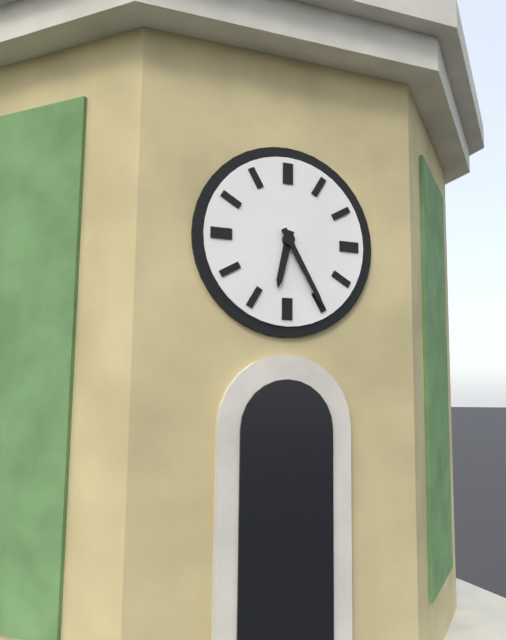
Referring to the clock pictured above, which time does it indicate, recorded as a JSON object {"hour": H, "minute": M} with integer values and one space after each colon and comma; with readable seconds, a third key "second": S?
{"hour": 6, "minute": 25}
